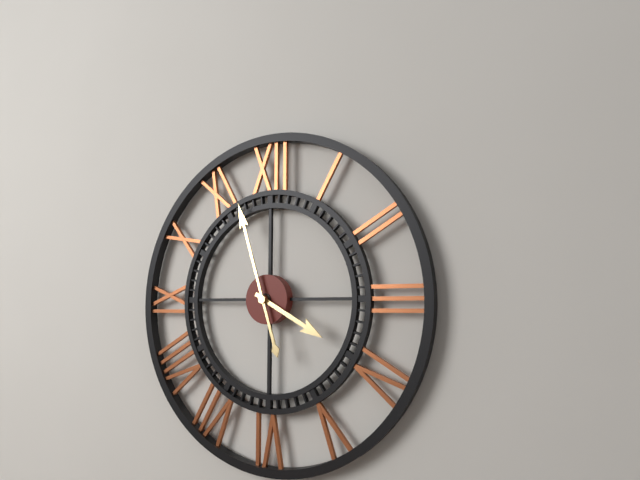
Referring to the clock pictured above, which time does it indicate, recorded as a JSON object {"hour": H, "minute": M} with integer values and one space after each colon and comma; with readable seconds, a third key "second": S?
{"hour": 3, "minute": 57}
